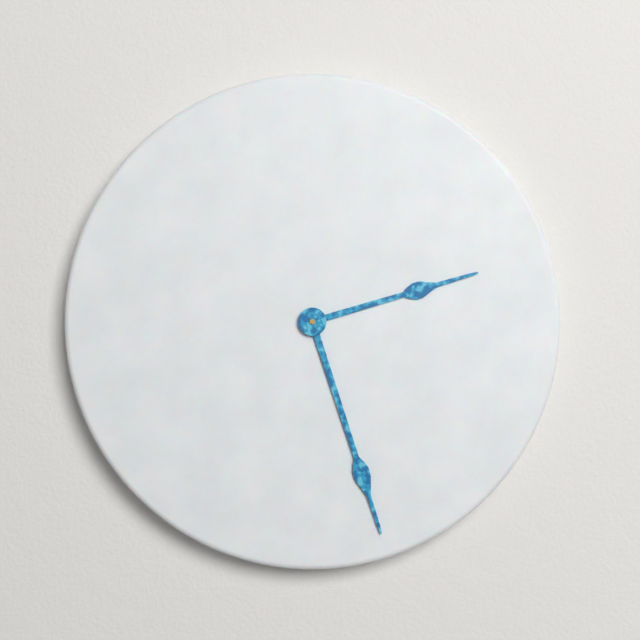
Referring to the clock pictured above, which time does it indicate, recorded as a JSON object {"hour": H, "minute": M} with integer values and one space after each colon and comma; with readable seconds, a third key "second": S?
{"hour": 2, "minute": 27}
